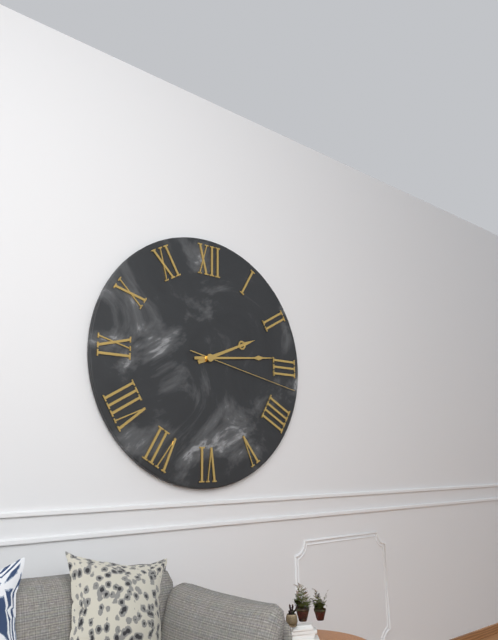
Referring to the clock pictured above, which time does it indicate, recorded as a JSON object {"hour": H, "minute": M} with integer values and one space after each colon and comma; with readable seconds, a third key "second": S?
{"hour": 2, "minute": 14, "second": 17}
